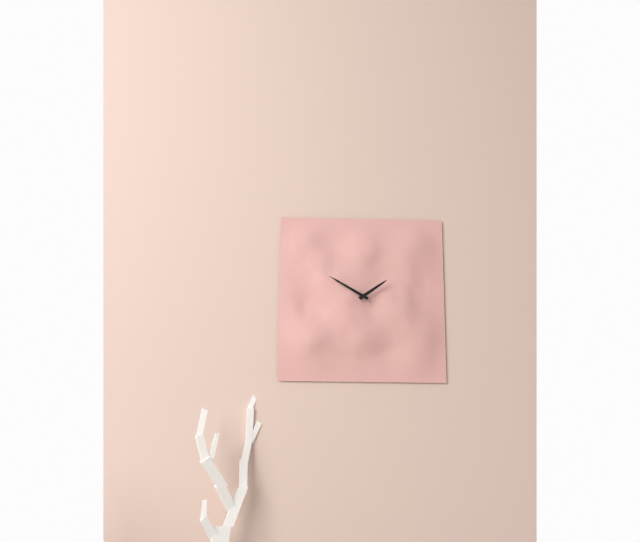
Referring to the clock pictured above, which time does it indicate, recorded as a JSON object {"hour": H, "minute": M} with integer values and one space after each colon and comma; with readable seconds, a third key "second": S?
{"hour": 1, "minute": 50}
